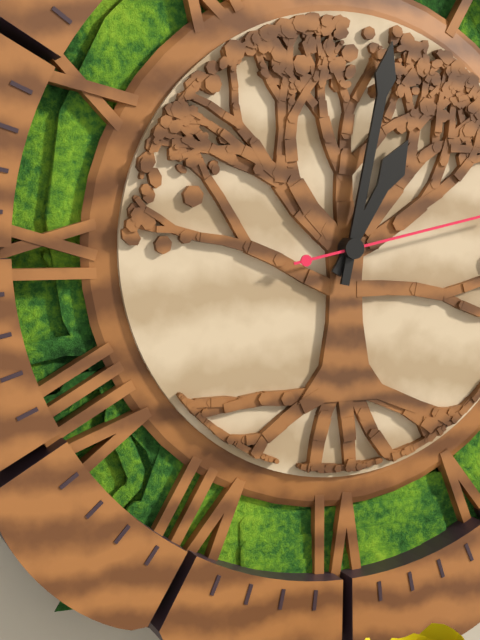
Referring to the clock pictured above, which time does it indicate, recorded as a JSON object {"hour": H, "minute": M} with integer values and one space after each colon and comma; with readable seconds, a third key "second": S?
{"hour": 1, "minute": 2}
